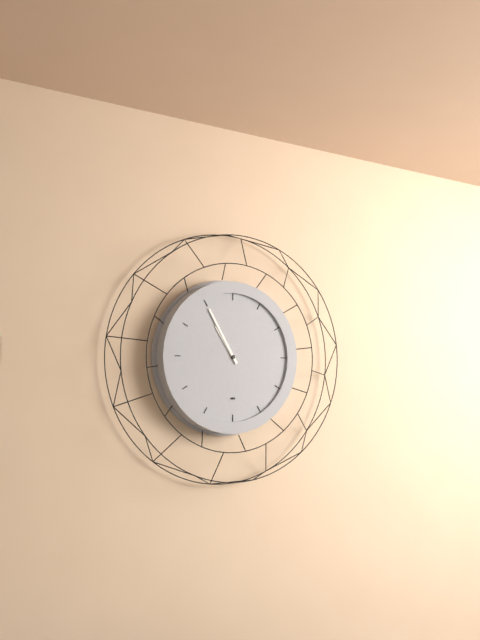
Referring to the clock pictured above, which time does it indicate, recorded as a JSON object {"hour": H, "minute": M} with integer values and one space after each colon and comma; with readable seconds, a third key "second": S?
{"hour": 10, "minute": 55}
